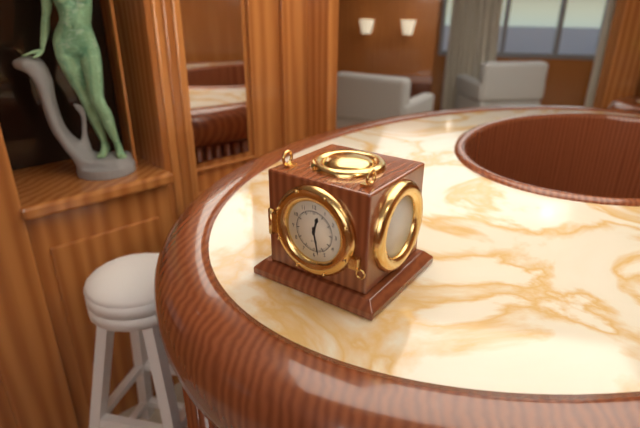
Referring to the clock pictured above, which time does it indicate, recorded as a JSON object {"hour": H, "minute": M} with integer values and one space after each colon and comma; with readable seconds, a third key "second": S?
{"hour": 12, "minute": 28}
